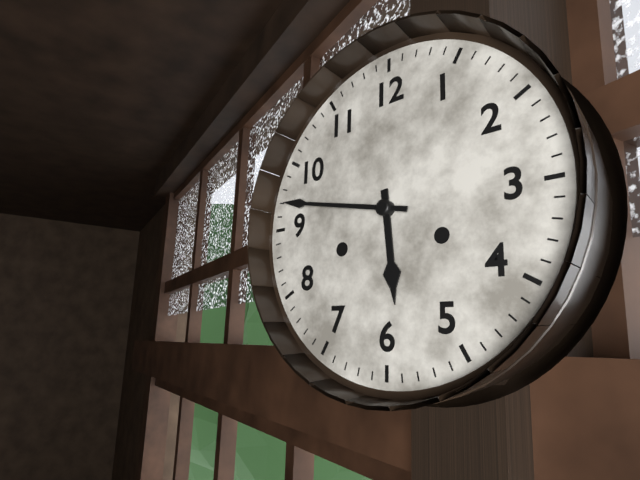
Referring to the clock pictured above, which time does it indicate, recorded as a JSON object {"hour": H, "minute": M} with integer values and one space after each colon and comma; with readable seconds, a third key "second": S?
{"hour": 5, "minute": 47}
